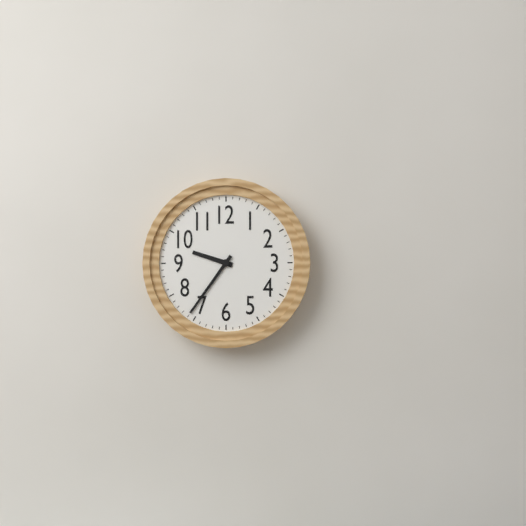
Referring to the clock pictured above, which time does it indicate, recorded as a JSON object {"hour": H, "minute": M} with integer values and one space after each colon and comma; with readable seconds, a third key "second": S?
{"hour": 9, "minute": 36}
